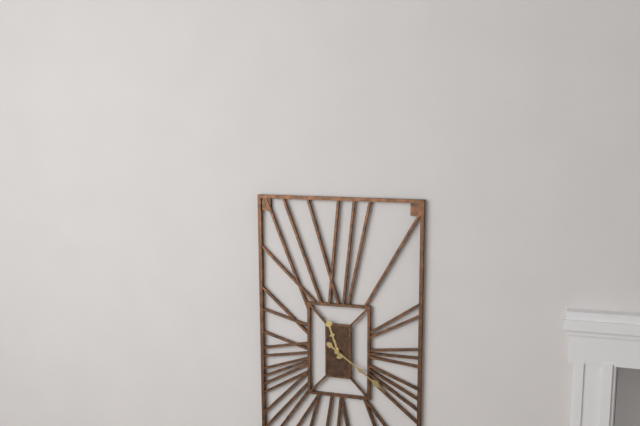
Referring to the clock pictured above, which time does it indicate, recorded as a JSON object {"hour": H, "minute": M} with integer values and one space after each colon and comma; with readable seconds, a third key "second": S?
{"hour": 11, "minute": 21}
